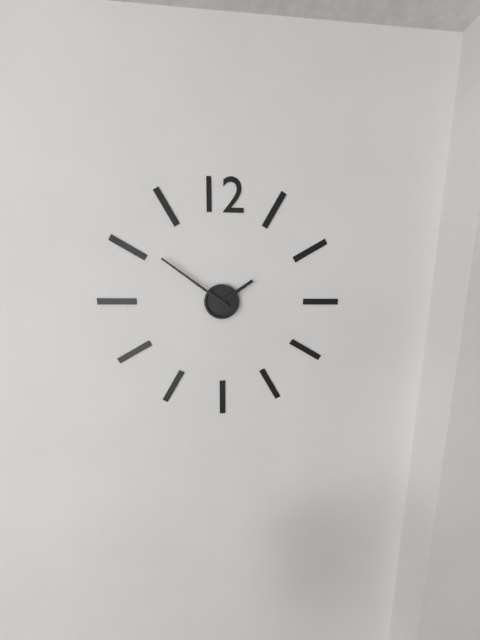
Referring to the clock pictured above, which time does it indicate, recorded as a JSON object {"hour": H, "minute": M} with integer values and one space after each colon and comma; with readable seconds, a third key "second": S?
{"hour": 1, "minute": 51}
